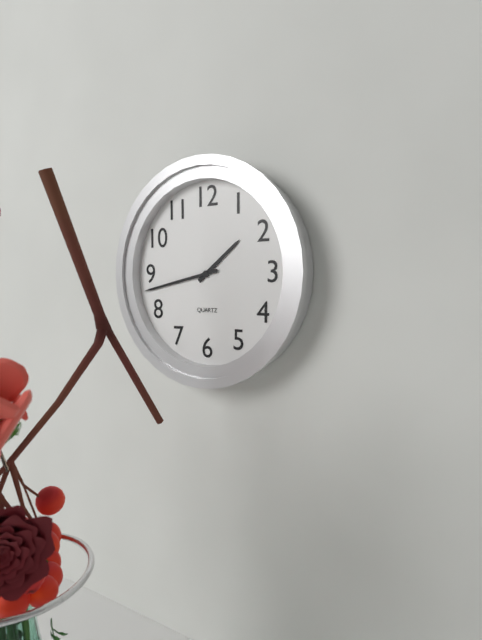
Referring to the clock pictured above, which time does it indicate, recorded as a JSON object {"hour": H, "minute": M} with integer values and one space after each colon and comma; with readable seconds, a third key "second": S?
{"hour": 1, "minute": 43}
